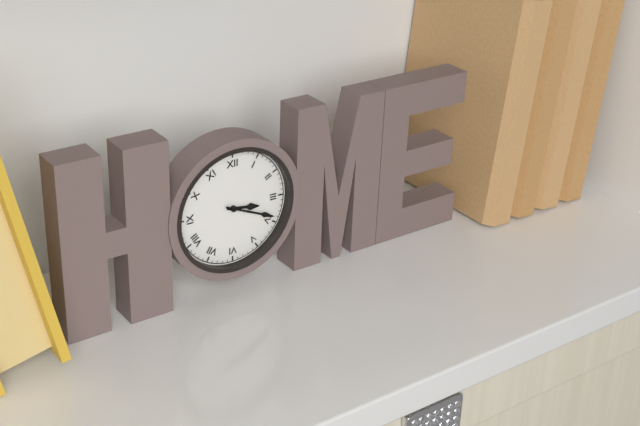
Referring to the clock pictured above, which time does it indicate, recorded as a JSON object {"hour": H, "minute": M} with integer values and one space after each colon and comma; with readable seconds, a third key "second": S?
{"hour": 3, "minute": 19}
